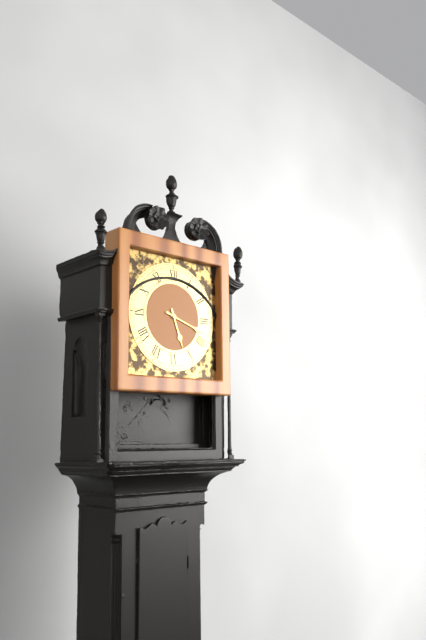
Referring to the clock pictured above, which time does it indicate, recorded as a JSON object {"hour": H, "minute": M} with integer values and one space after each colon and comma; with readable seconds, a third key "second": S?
{"hour": 5, "minute": 18}
